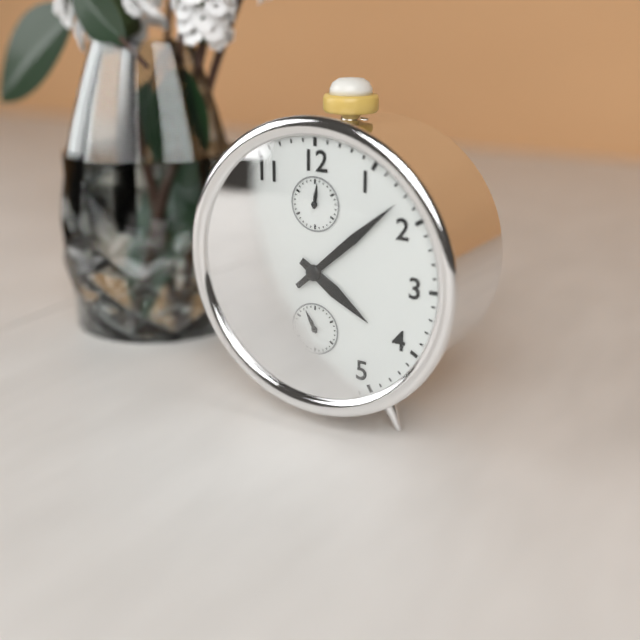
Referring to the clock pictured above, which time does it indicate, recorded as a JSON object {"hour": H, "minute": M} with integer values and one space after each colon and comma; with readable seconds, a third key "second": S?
{"hour": 4, "minute": 8}
